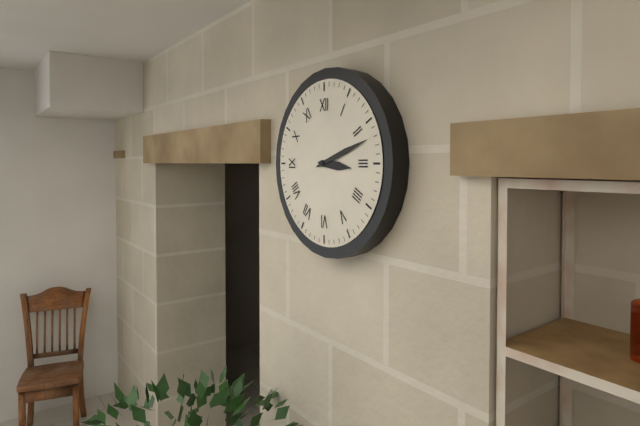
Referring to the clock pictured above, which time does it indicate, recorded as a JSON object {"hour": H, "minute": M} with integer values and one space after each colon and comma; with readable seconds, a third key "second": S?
{"hour": 3, "minute": 12}
